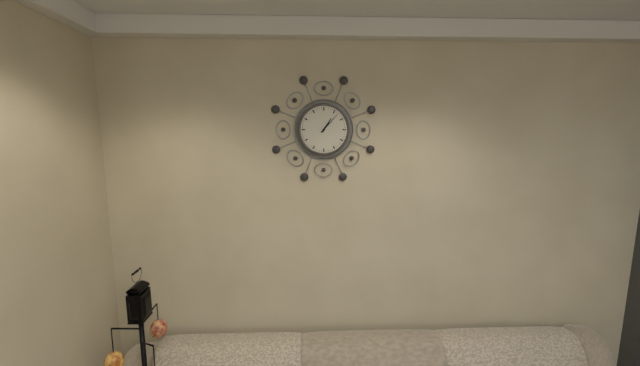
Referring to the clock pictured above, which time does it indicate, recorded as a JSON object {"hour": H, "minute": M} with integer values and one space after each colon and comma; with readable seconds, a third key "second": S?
{"hour": 1, "minute": 7}
